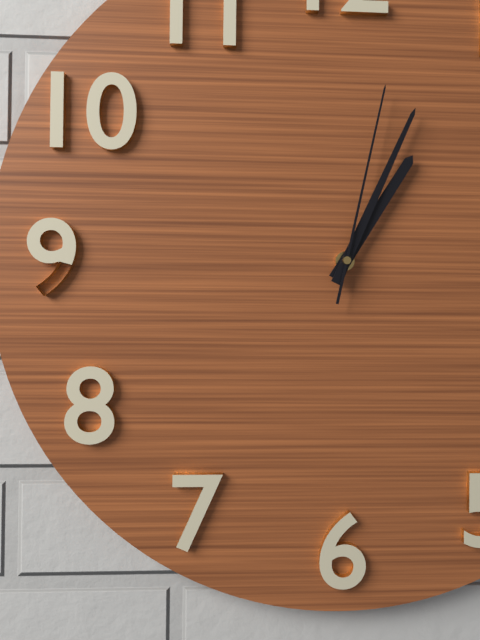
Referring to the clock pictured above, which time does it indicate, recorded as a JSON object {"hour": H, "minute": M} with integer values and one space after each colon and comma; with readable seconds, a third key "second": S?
{"hour": 1, "minute": 4, "second": 2}
